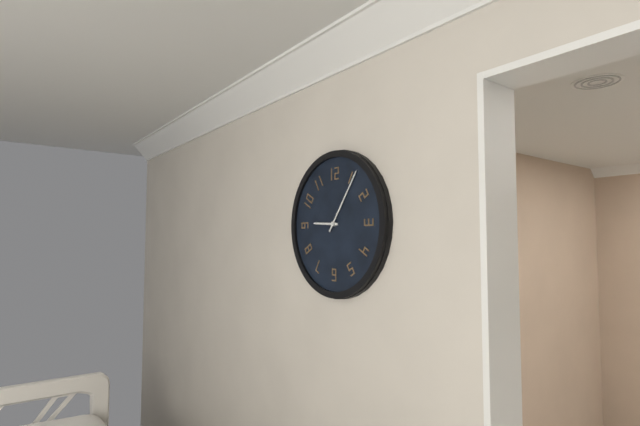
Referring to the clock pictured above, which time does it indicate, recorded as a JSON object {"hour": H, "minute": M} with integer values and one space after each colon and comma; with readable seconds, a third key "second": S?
{"hour": 9, "minute": 6}
